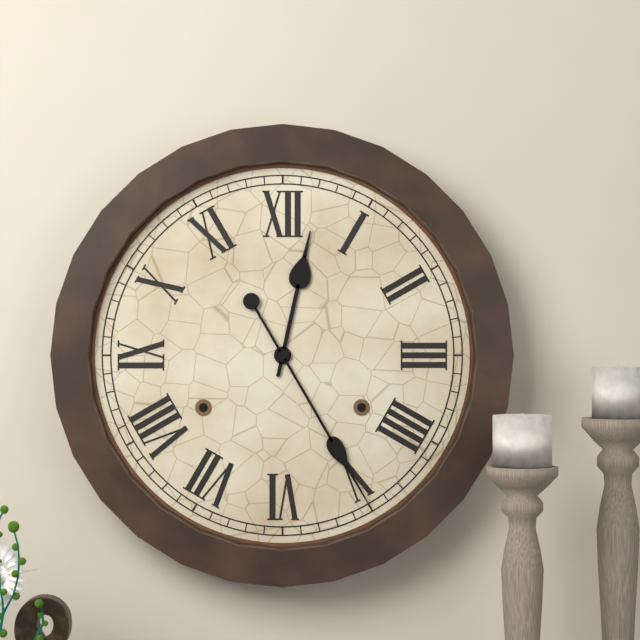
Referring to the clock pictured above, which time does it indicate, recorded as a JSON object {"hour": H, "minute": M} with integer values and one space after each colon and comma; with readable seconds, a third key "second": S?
{"hour": 12, "minute": 25}
